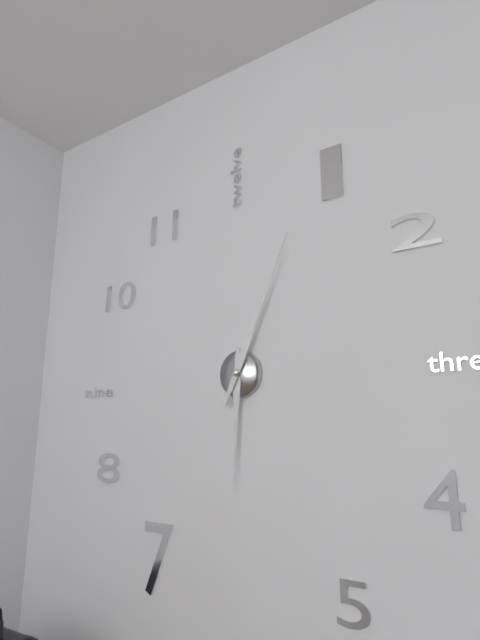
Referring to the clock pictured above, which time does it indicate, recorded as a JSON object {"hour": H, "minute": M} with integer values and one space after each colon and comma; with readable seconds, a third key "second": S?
{"hour": 6, "minute": 4}
